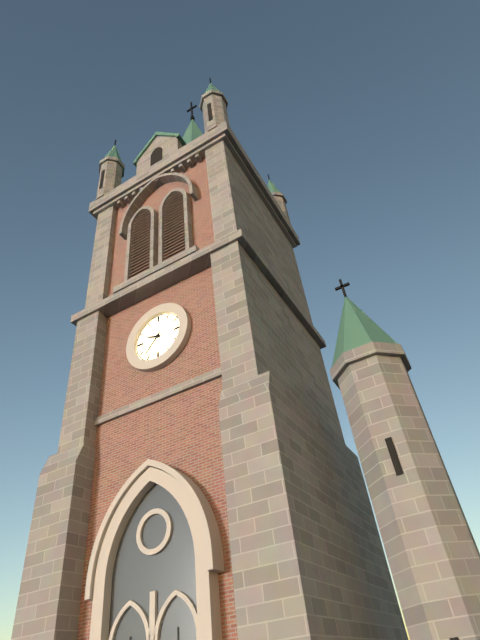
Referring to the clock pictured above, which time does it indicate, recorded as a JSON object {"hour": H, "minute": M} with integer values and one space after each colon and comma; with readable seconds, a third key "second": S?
{"hour": 9, "minute": 37}
